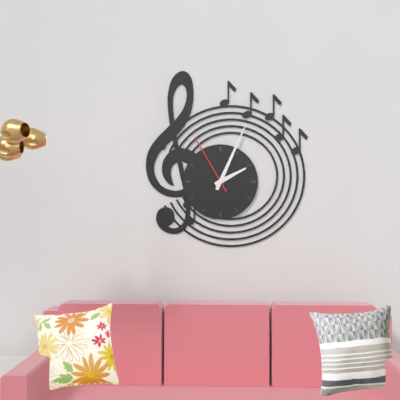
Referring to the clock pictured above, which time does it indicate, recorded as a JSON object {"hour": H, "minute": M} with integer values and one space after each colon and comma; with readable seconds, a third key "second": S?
{"hour": 2, "minute": 4, "second": 55}
